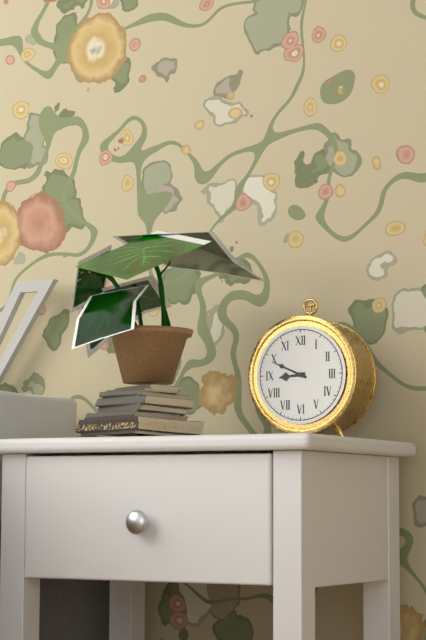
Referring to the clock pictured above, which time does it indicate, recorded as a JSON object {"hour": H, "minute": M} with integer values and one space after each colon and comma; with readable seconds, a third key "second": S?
{"hour": 8, "minute": 49}
